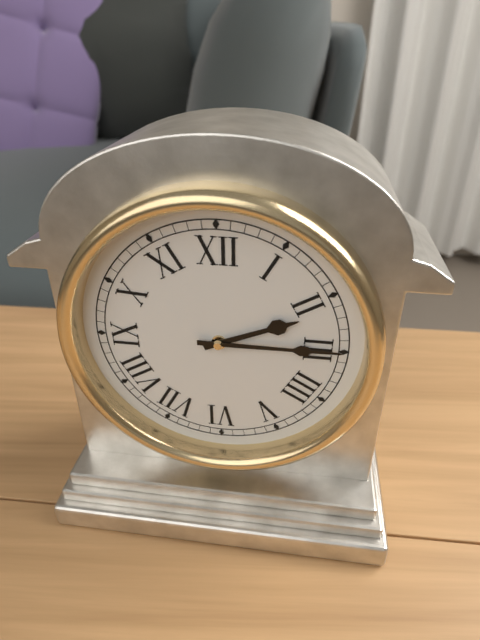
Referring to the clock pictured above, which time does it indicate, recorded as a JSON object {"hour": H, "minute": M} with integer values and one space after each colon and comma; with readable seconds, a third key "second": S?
{"hour": 2, "minute": 15}
